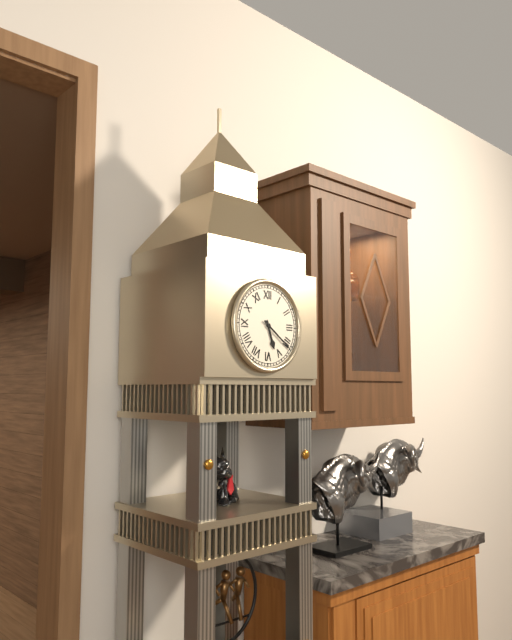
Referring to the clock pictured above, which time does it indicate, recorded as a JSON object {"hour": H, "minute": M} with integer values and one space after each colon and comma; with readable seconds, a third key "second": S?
{"hour": 5, "minute": 21}
